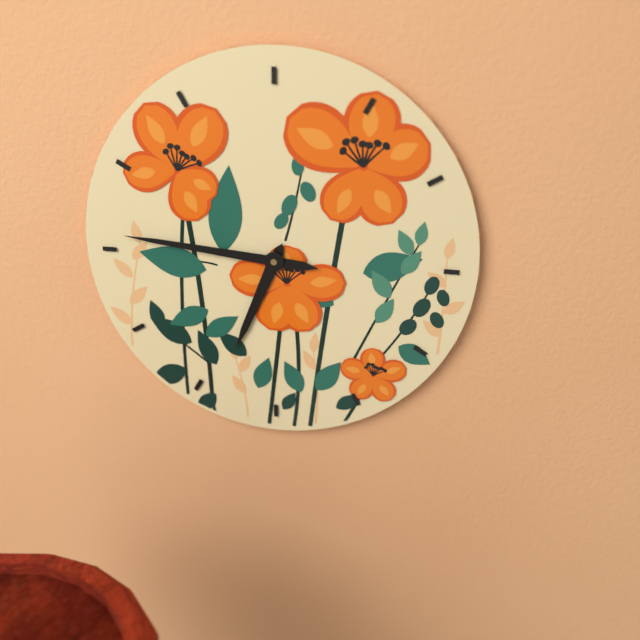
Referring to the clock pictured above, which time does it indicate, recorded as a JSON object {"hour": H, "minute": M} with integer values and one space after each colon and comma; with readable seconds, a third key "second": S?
{"hour": 6, "minute": 46}
